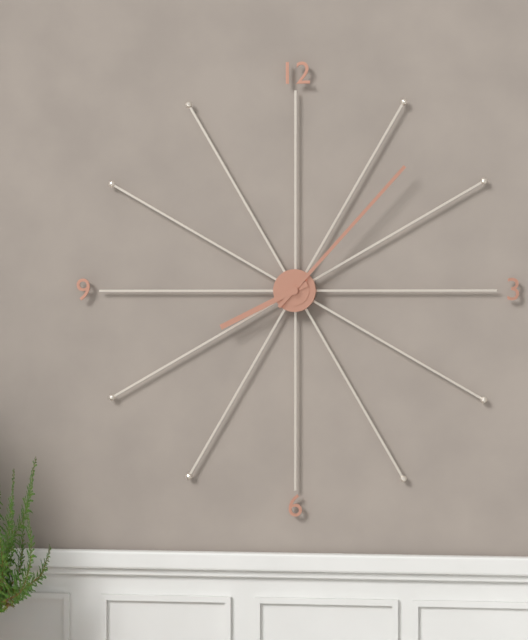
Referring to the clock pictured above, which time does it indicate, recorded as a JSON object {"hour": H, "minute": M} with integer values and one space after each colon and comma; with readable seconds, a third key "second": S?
{"hour": 8, "minute": 7}
